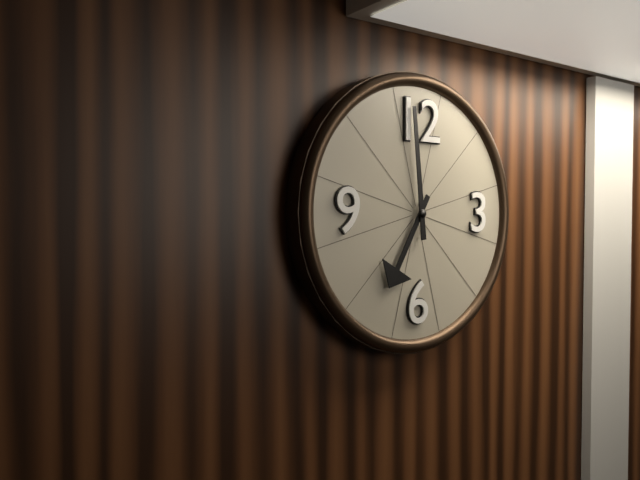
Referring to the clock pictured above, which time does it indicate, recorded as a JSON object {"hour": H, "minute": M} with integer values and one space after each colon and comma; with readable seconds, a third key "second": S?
{"hour": 6, "minute": 59}
